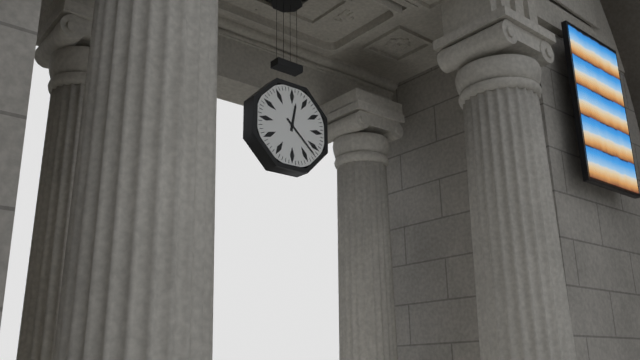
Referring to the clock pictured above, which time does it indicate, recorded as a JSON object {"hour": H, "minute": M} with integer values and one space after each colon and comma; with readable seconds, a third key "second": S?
{"hour": 12, "minute": 22}
